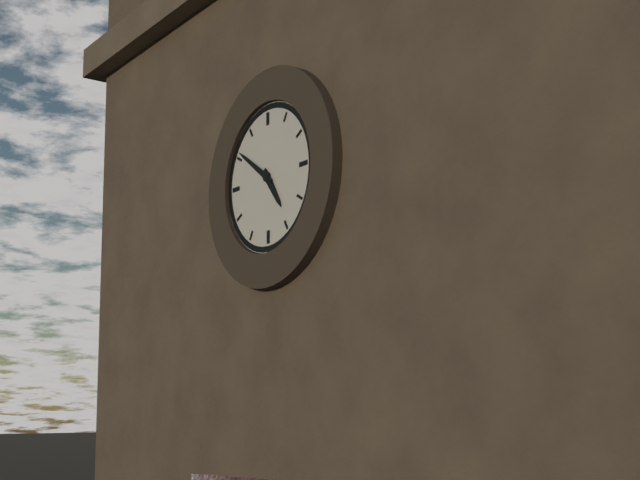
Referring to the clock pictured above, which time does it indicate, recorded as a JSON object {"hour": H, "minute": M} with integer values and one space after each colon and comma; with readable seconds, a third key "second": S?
{"hour": 4, "minute": 51}
